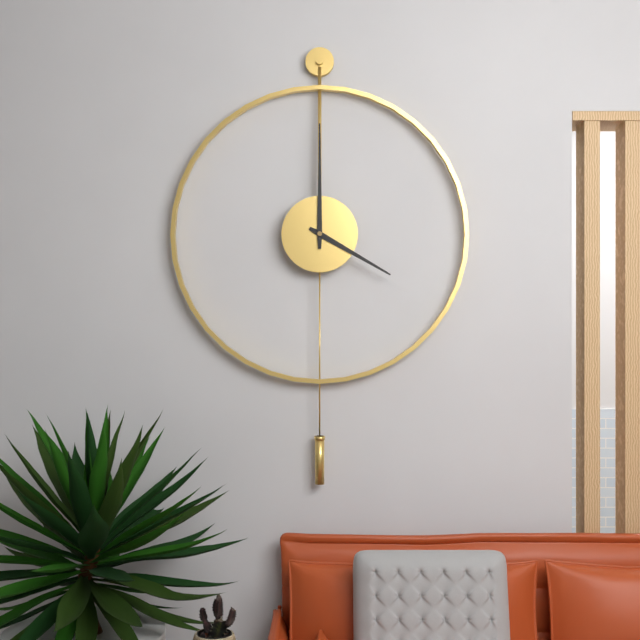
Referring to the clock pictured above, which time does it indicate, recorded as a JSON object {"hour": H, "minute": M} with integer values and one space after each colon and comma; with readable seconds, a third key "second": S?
{"hour": 4, "minute": 0}
